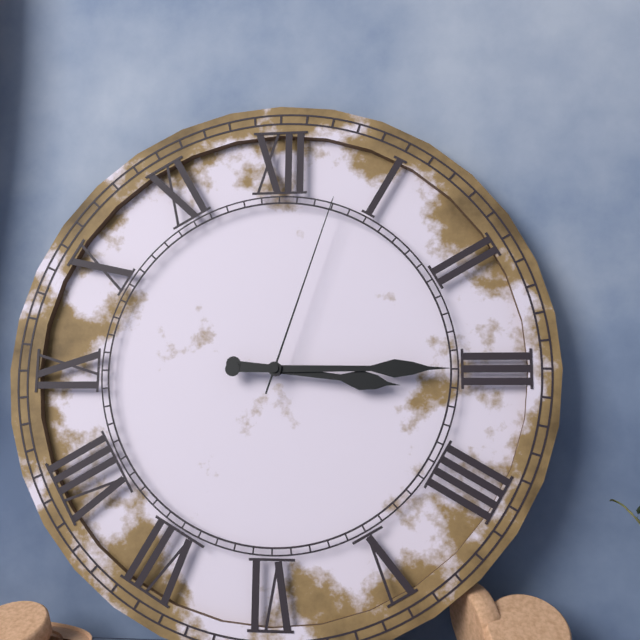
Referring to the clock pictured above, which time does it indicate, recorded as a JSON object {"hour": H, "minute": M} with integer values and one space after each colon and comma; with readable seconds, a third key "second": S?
{"hour": 3, "minute": 15, "second": 3}
